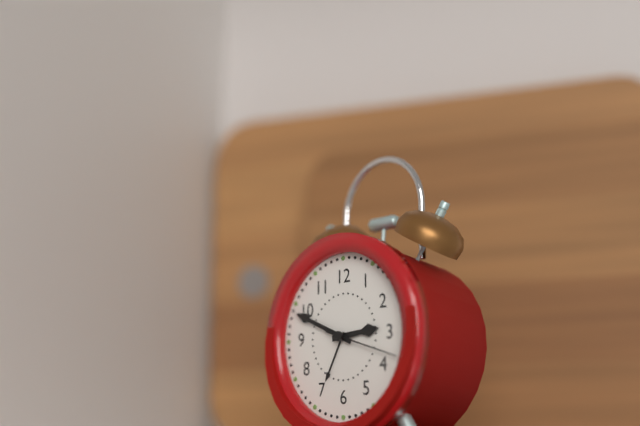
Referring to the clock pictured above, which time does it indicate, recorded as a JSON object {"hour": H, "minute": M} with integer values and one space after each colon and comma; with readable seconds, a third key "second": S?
{"hour": 2, "minute": 49, "second": 18}
